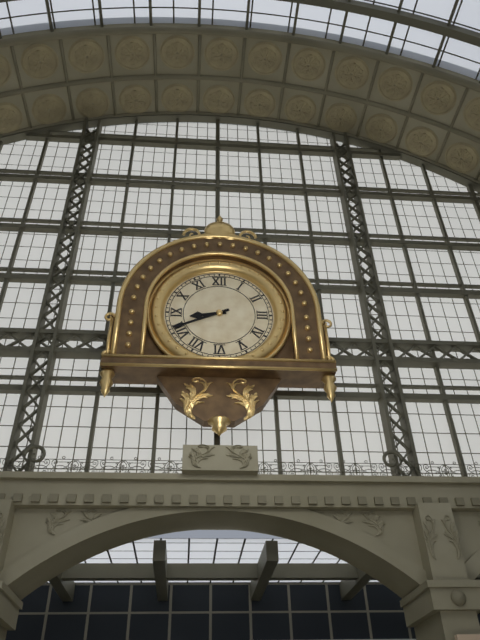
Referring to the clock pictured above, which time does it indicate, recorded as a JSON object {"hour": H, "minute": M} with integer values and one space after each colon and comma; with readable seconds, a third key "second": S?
{"hour": 8, "minute": 41}
